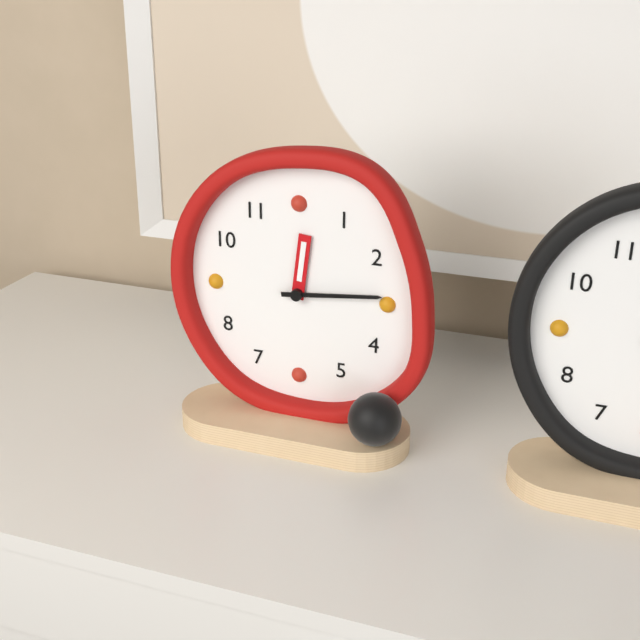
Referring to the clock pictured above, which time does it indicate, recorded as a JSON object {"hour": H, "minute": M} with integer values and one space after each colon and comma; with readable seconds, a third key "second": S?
{"hour": 12, "minute": 14}
